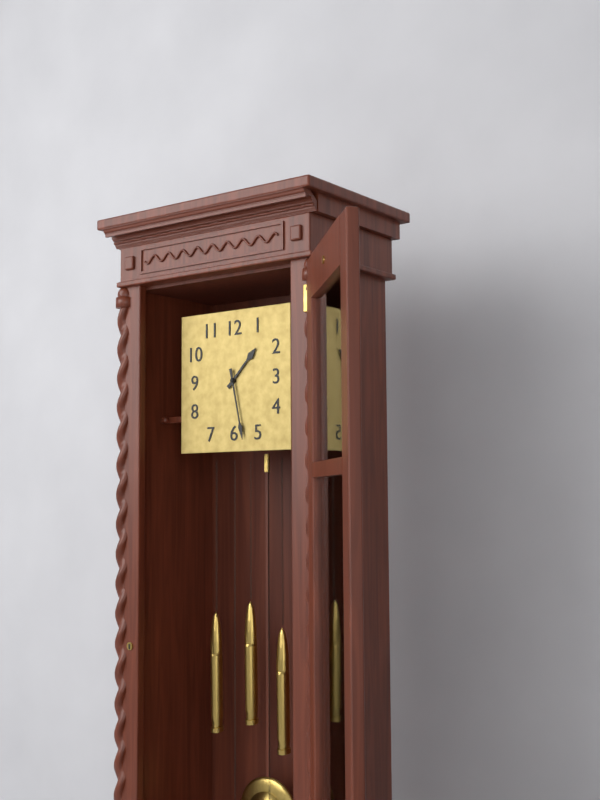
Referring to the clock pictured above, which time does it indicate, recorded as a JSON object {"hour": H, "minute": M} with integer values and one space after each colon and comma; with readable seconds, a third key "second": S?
{"hour": 1, "minute": 28}
